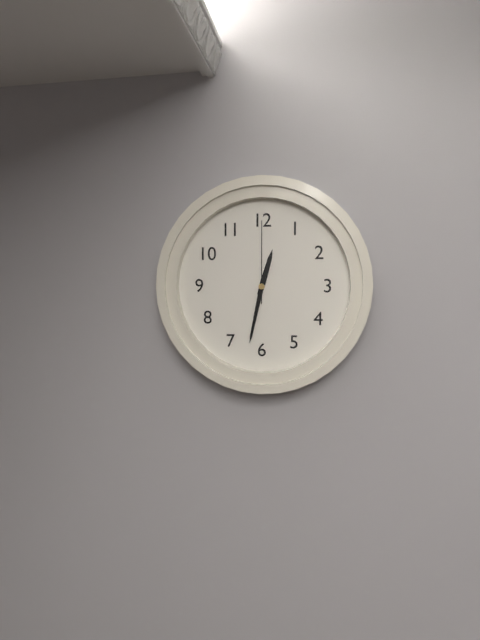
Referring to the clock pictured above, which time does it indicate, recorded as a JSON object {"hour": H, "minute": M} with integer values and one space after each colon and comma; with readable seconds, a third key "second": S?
{"hour": 12, "minute": 32, "second": 0}
